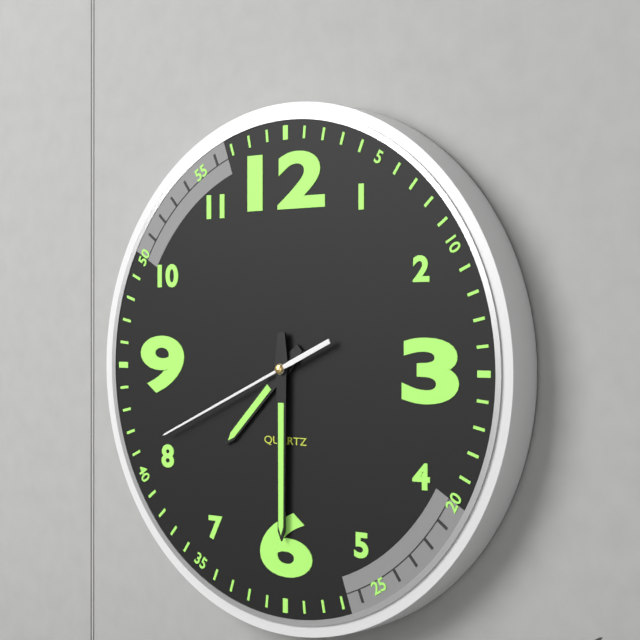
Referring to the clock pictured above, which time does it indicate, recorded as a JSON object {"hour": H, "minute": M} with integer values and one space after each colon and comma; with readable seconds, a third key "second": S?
{"hour": 7, "minute": 30, "second": 41}
